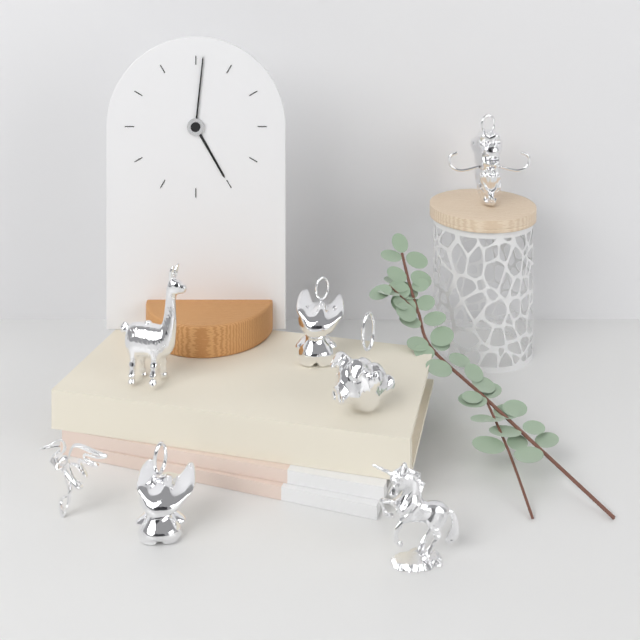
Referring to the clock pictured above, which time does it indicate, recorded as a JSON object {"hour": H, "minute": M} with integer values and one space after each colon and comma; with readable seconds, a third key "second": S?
{"hour": 5, "minute": 1}
